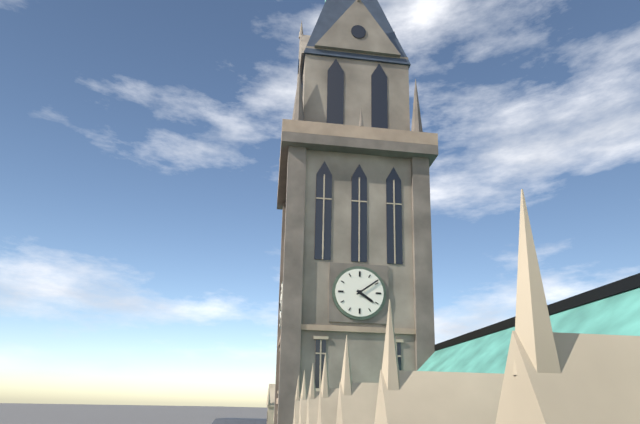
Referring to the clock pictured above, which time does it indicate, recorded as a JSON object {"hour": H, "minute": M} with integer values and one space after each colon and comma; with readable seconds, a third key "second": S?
{"hour": 4, "minute": 9}
